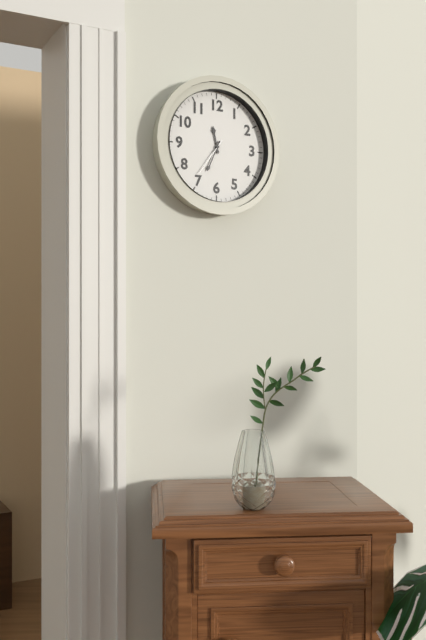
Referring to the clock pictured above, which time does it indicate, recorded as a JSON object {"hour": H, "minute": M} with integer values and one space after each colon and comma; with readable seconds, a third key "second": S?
{"hour": 11, "minute": 34}
